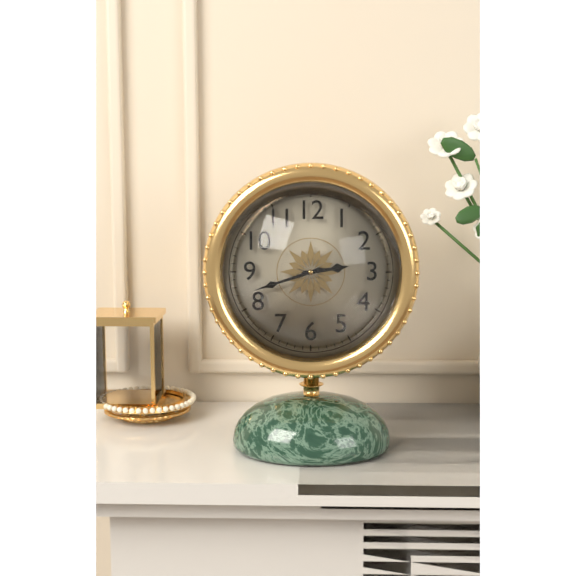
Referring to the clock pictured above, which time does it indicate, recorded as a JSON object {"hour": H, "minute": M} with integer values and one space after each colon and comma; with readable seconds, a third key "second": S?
{"hour": 2, "minute": 42}
